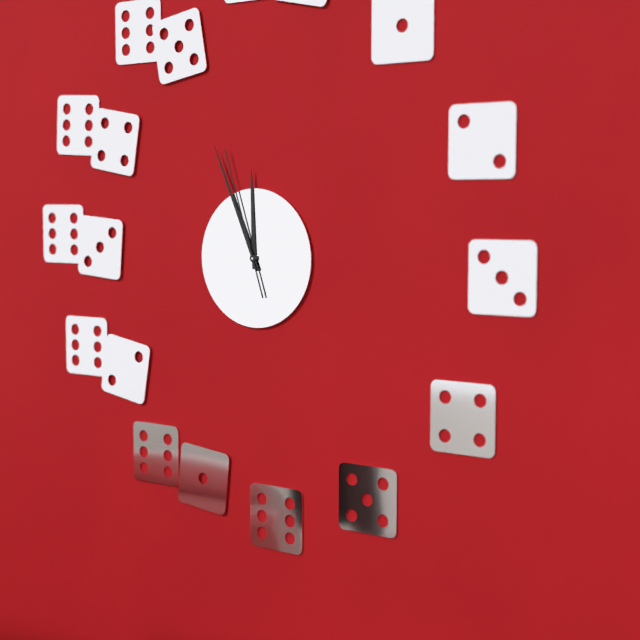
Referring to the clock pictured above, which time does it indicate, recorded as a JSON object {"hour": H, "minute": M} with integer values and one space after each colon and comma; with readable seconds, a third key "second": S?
{"hour": 11, "minute": 56, "second": 57}
